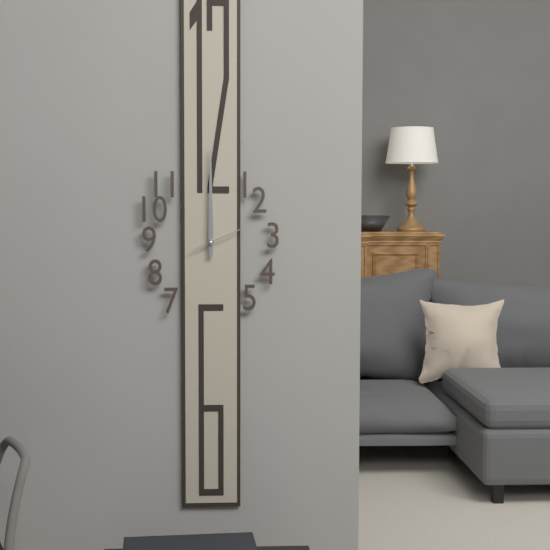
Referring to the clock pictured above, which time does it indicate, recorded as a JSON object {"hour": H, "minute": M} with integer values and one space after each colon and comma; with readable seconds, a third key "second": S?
{"hour": 12, "minute": 0, "second": 11}
